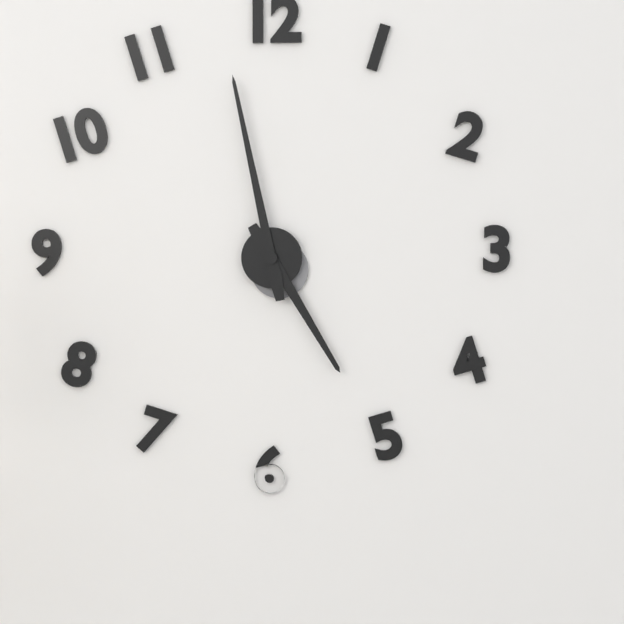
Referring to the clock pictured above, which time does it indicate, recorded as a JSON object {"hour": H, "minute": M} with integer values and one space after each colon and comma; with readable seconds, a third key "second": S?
{"hour": 4, "minute": 58}
